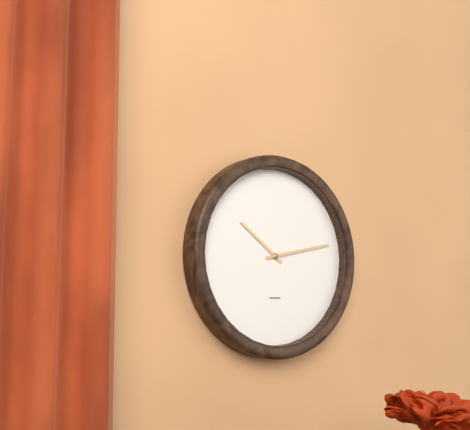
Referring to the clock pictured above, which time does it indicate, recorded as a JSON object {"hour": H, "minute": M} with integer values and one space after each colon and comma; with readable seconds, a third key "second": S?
{"hour": 10, "minute": 13}
